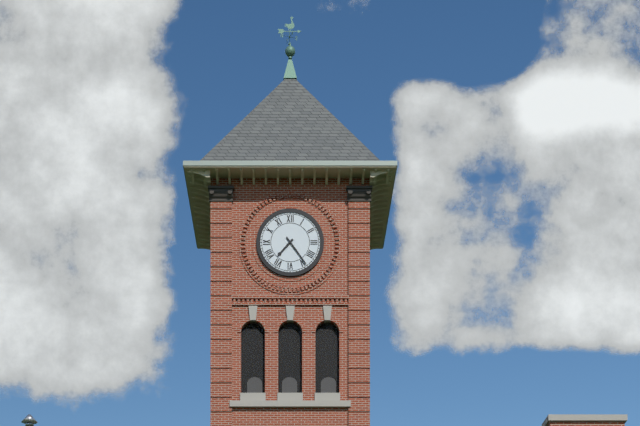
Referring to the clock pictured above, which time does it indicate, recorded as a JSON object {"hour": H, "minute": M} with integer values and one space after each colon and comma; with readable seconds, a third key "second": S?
{"hour": 7, "minute": 24}
